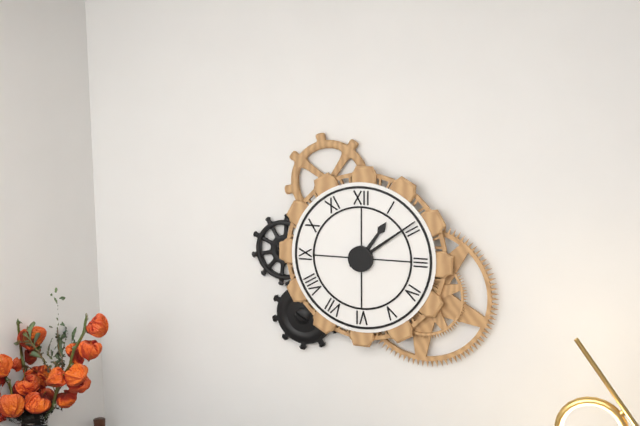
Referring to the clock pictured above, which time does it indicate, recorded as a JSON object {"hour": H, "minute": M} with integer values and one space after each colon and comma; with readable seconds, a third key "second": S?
{"hour": 1, "minute": 9}
